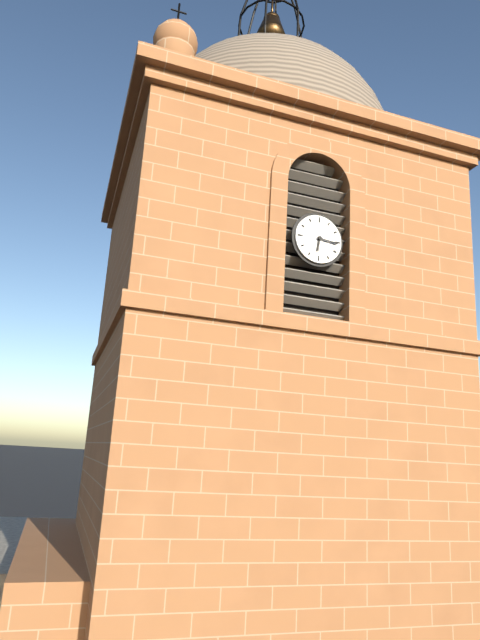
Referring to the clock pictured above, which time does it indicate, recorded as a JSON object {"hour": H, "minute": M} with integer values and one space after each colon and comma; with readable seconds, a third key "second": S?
{"hour": 6, "minute": 16}
